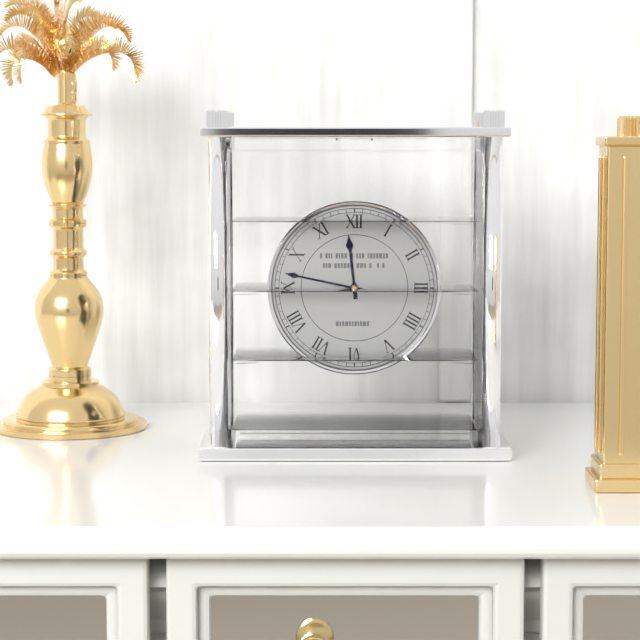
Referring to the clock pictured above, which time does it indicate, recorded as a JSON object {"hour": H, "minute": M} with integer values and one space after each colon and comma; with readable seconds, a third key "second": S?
{"hour": 11, "minute": 47}
